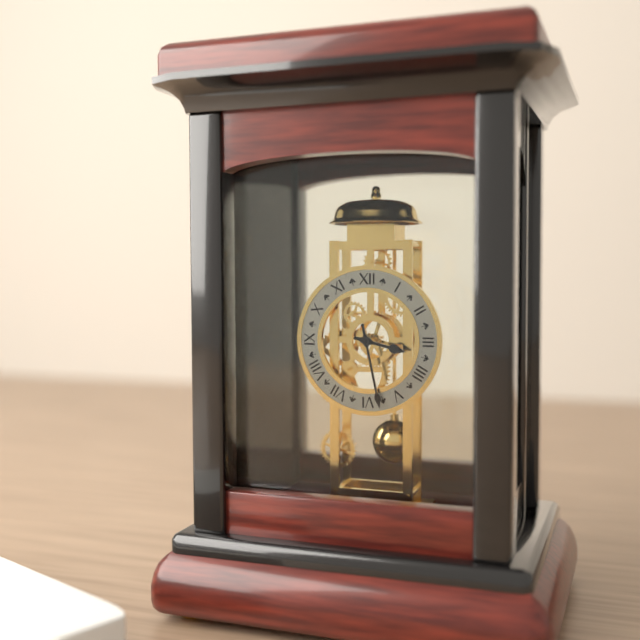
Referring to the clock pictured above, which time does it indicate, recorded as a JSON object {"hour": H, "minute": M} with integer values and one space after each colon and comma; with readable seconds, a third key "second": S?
{"hour": 3, "minute": 28}
